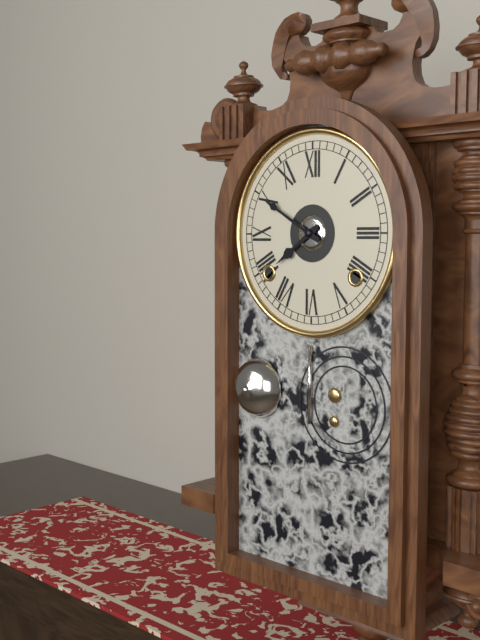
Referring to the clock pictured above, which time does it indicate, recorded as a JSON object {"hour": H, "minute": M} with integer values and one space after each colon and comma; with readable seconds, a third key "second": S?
{"hour": 7, "minute": 50}
